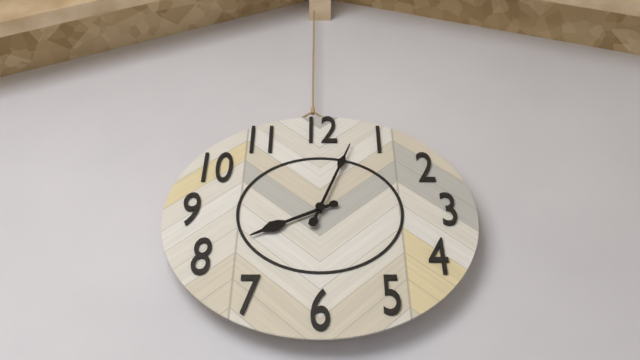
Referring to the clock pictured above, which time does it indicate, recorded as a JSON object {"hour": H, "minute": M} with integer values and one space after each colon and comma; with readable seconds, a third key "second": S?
{"hour": 8, "minute": 3}
